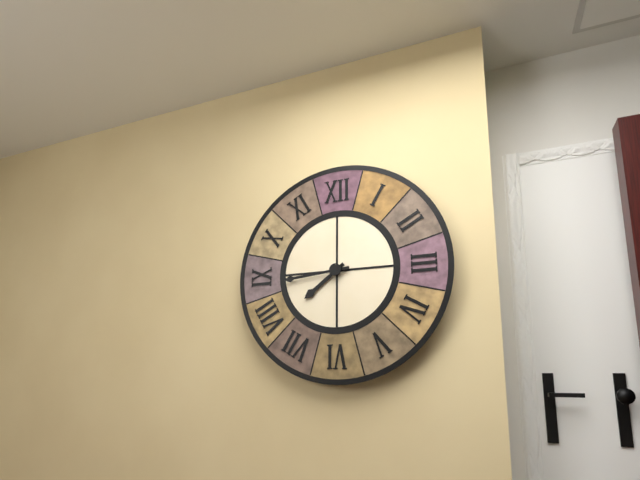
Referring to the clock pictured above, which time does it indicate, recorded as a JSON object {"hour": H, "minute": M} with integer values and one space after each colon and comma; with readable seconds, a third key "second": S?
{"hour": 7, "minute": 44}
